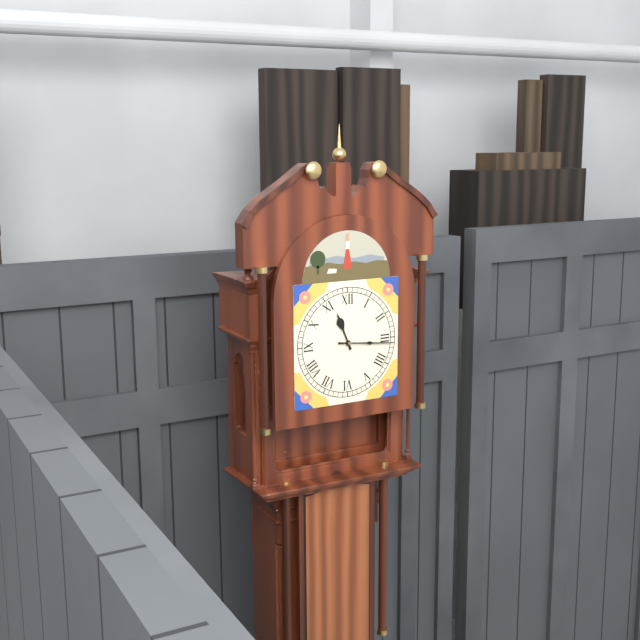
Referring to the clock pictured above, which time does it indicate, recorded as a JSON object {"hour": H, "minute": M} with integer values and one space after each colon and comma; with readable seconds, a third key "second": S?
{"hour": 11, "minute": 16}
